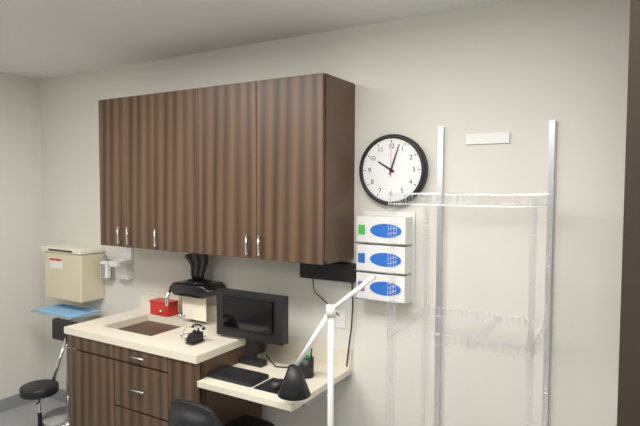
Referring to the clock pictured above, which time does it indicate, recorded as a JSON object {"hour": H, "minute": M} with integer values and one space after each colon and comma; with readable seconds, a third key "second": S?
{"hour": 10, "minute": 3}
